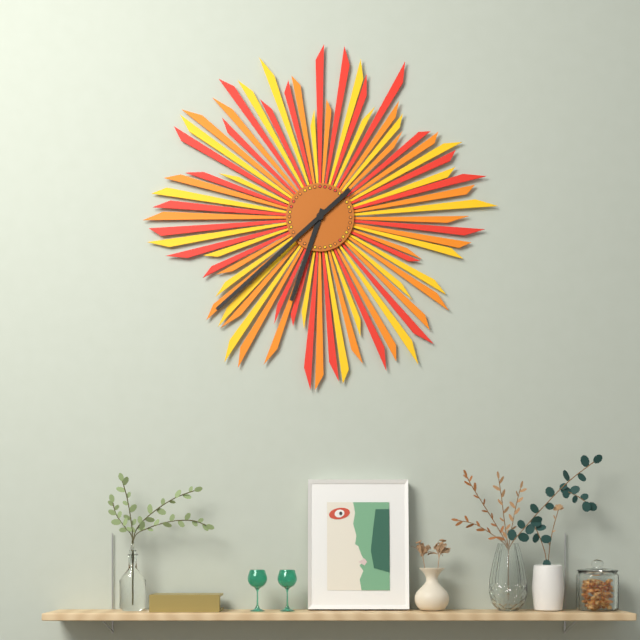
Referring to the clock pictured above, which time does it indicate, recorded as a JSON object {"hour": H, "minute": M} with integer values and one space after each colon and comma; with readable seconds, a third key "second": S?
{"hour": 6, "minute": 38}
